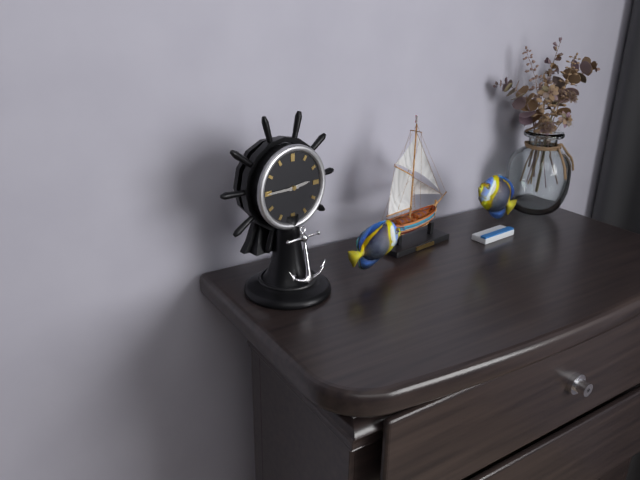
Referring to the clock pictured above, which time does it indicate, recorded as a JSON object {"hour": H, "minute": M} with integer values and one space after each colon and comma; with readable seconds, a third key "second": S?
{"hour": 2, "minute": 45}
